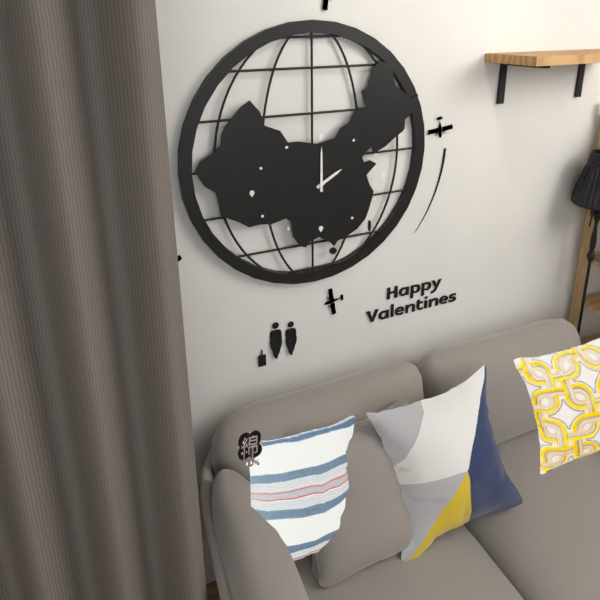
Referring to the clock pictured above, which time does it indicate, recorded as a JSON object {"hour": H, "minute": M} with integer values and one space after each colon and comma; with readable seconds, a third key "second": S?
{"hour": 2, "minute": 0}
